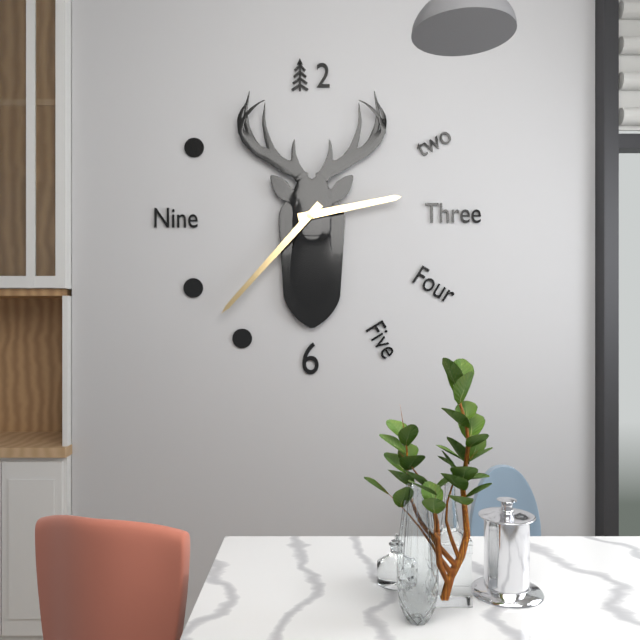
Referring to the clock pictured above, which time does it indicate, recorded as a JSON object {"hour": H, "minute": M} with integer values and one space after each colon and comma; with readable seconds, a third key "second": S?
{"hour": 2, "minute": 37}
